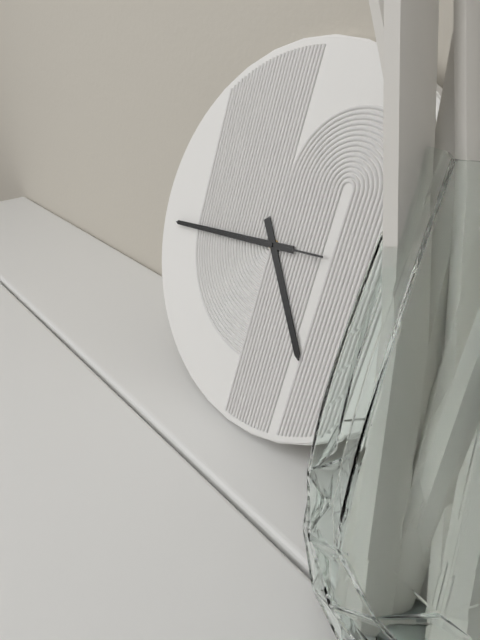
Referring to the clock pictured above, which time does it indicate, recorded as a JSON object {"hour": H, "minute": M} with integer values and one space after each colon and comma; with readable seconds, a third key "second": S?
{"hour": 4, "minute": 44, "second": 44}
